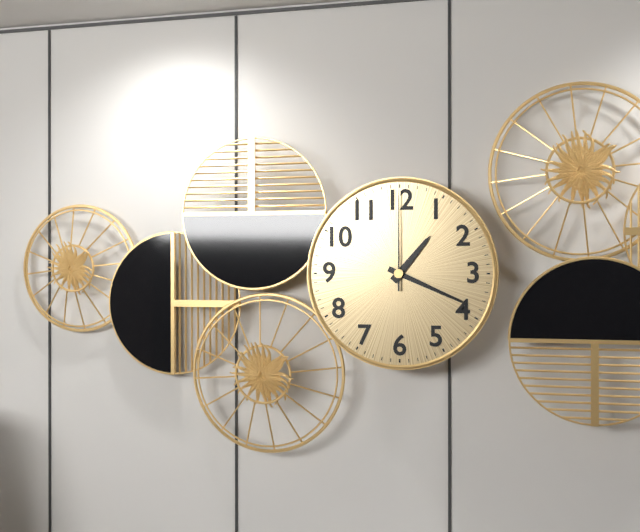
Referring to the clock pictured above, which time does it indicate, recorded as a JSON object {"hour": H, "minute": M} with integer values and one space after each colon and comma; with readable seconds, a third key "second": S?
{"hour": 1, "minute": 19, "second": 0}
